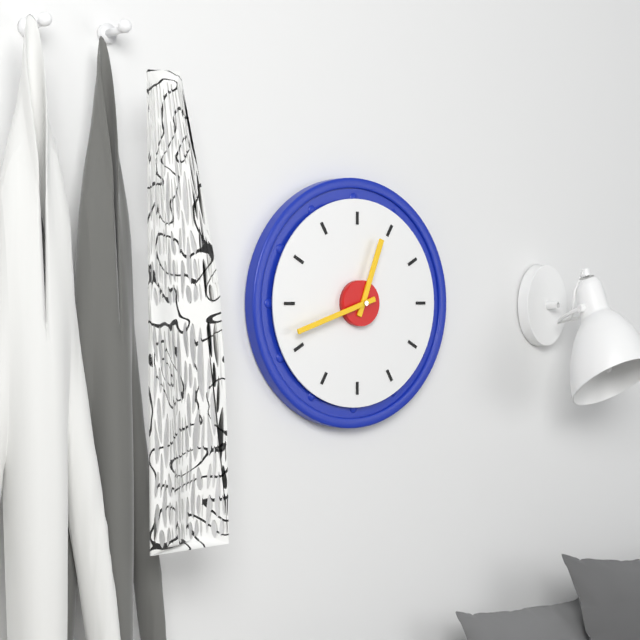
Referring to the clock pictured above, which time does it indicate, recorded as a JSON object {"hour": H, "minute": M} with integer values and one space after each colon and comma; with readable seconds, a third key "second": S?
{"hour": 12, "minute": 42}
